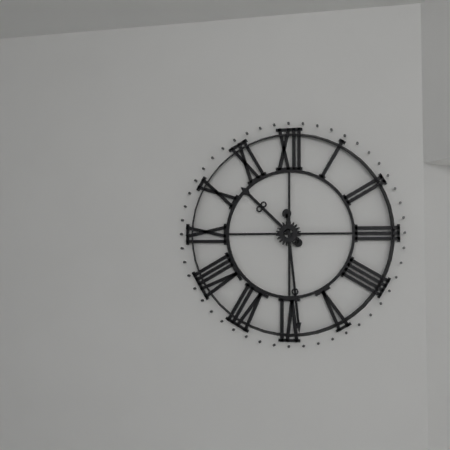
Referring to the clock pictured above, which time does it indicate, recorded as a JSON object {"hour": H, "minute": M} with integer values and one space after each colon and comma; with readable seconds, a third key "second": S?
{"hour": 10, "minute": 29}
